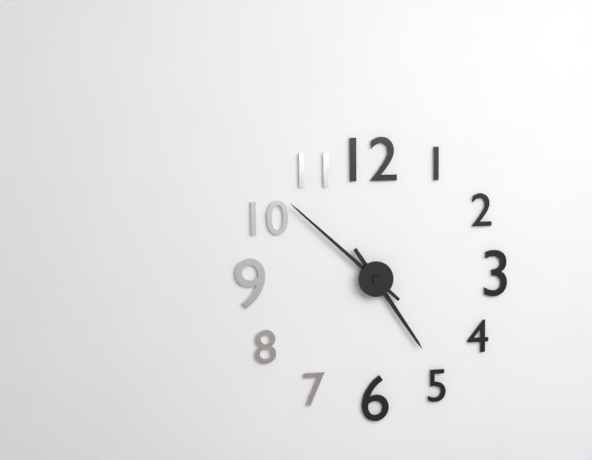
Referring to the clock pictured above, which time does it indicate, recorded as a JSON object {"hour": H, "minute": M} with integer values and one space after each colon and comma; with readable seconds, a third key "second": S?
{"hour": 4, "minute": 52}
